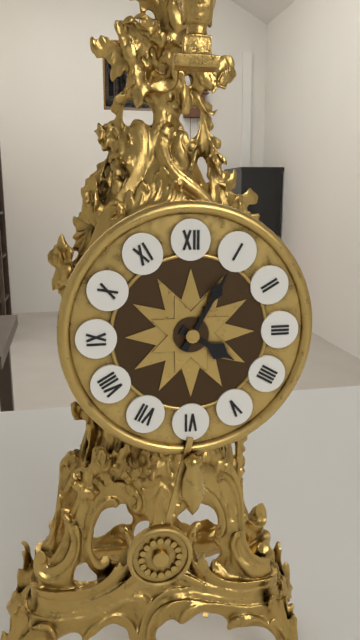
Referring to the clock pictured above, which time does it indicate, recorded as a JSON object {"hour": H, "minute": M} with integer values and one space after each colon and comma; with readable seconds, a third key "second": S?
{"hour": 4, "minute": 5}
